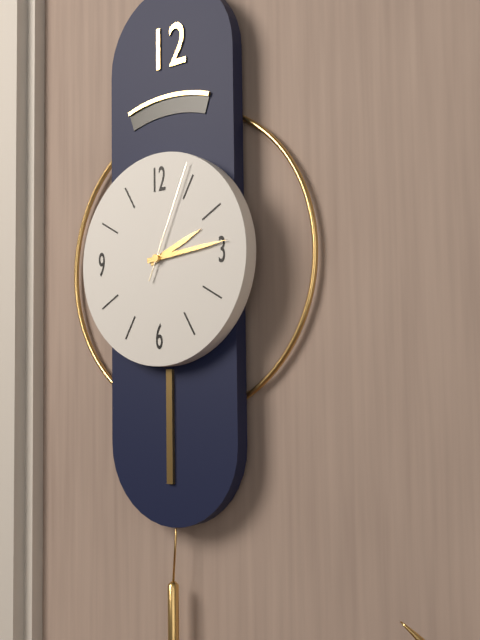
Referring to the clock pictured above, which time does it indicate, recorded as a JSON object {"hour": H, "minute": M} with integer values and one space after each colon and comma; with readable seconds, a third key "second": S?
{"hour": 2, "minute": 14, "second": 4}
